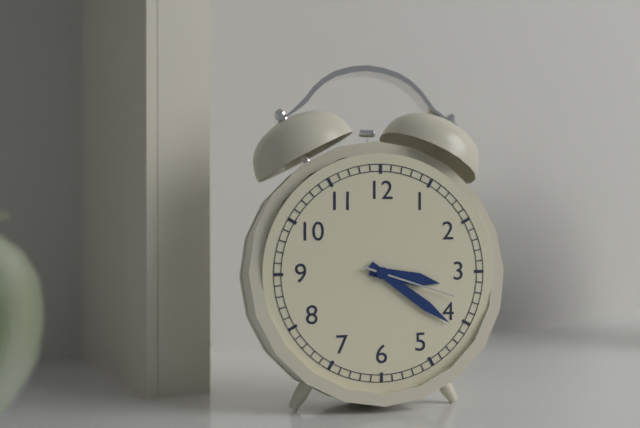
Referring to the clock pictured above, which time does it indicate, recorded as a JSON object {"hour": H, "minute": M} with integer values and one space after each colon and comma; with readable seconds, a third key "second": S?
{"hour": 3, "minute": 21, "second": 18}
